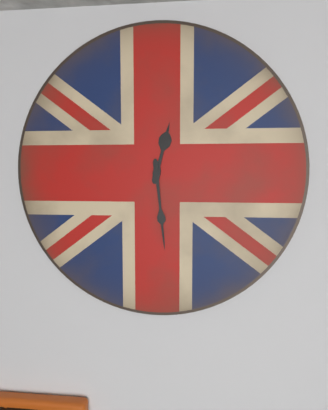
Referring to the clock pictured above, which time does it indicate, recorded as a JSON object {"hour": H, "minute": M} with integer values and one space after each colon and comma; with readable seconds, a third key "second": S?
{"hour": 12, "minute": 29}
